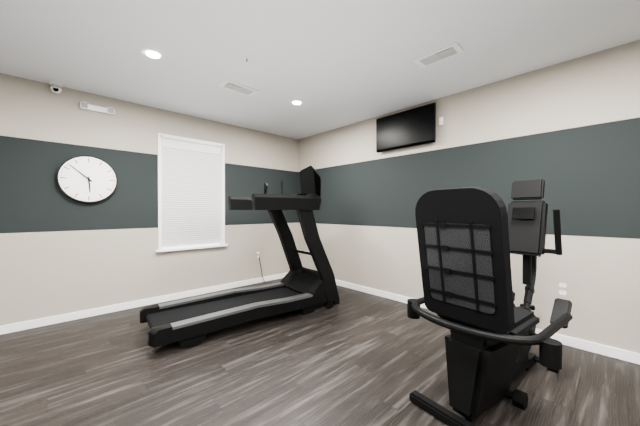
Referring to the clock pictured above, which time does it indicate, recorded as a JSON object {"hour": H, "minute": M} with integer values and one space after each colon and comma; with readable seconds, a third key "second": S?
{"hour": 5, "minute": 52}
